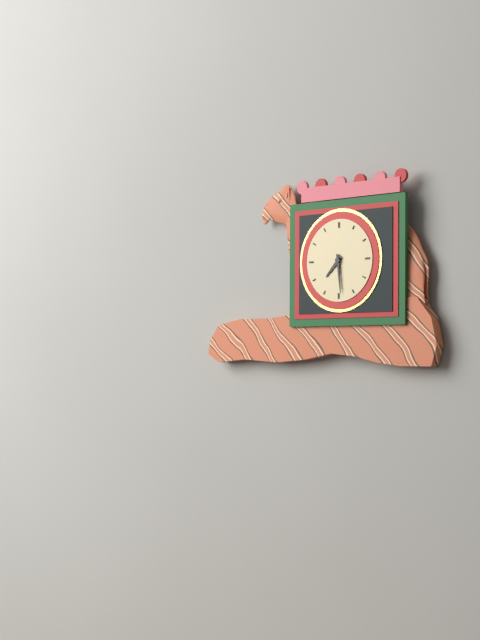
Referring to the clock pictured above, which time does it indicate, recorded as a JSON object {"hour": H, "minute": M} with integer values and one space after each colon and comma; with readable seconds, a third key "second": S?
{"hour": 7, "minute": 29}
